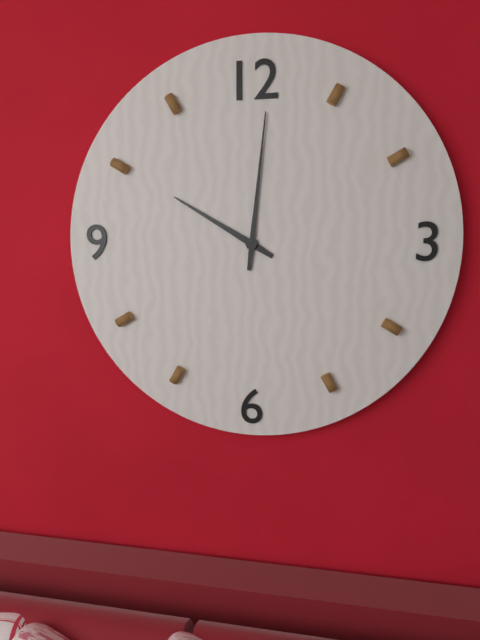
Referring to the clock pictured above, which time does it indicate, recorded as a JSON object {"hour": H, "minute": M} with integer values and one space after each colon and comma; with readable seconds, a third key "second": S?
{"hour": 10, "minute": 1}
